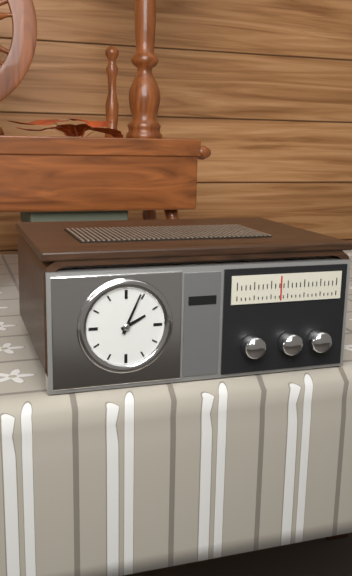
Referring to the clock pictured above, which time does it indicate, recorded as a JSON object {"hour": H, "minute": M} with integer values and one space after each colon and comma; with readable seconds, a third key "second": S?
{"hour": 2, "minute": 4}
